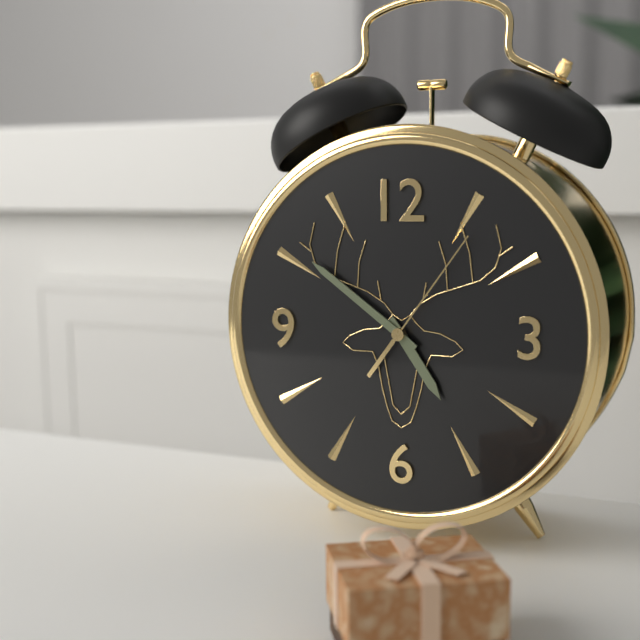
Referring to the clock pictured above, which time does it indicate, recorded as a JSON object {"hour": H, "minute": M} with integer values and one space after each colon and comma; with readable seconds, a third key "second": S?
{"hour": 4, "minute": 51, "second": 6}
